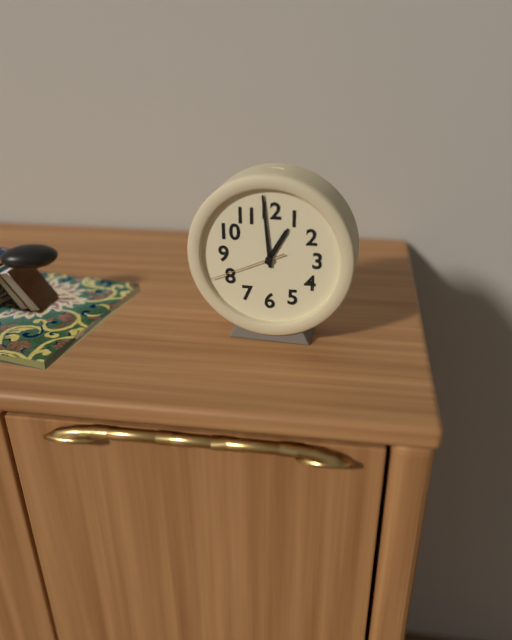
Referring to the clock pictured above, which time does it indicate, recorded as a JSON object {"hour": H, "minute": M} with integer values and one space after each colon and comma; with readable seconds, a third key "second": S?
{"hour": 12, "minute": 59, "second": 41}
